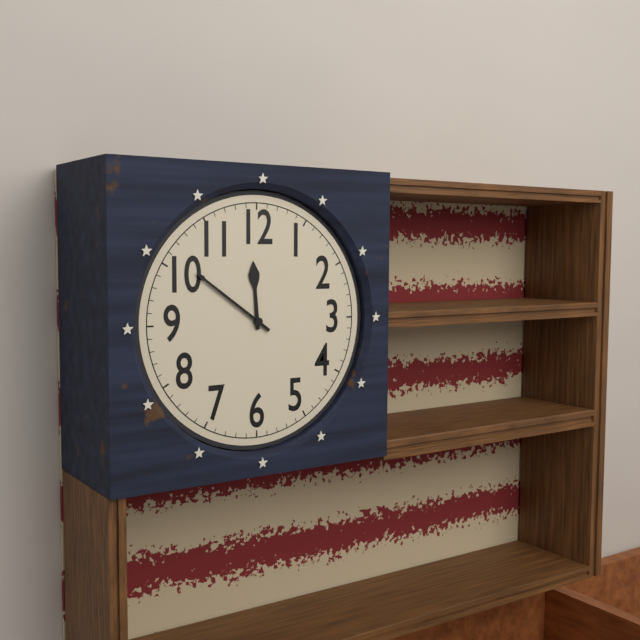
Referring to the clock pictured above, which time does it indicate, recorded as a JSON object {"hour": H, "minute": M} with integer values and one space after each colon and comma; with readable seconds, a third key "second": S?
{"hour": 11, "minute": 51}
